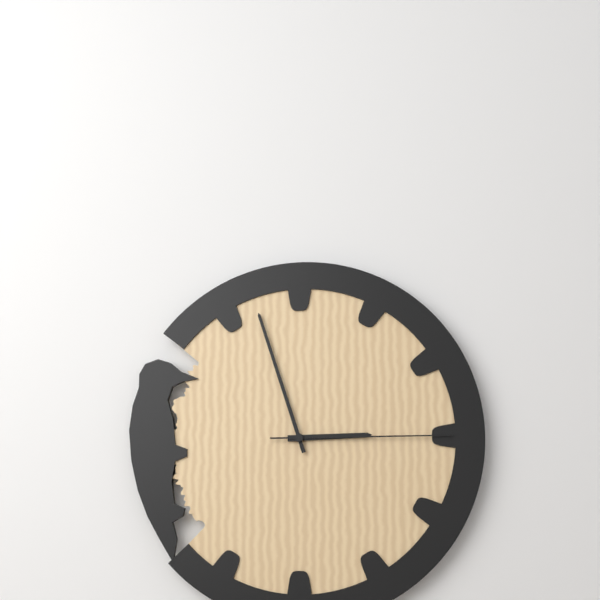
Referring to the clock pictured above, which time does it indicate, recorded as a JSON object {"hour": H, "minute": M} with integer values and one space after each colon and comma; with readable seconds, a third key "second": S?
{"hour": 2, "minute": 57, "second": 15}
